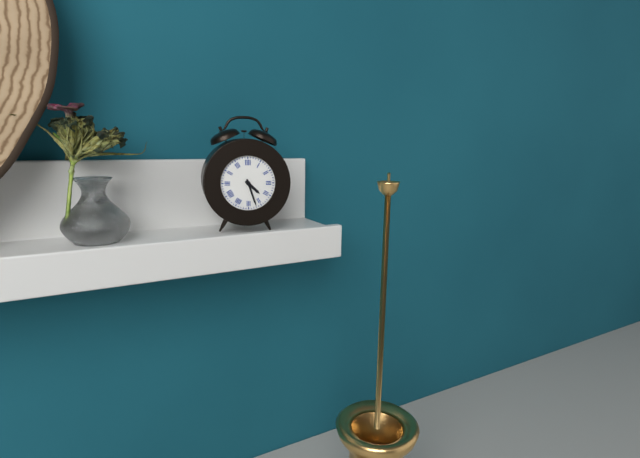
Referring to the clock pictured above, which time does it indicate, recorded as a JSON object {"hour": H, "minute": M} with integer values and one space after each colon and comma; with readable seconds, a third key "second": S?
{"hour": 4, "minute": 27}
